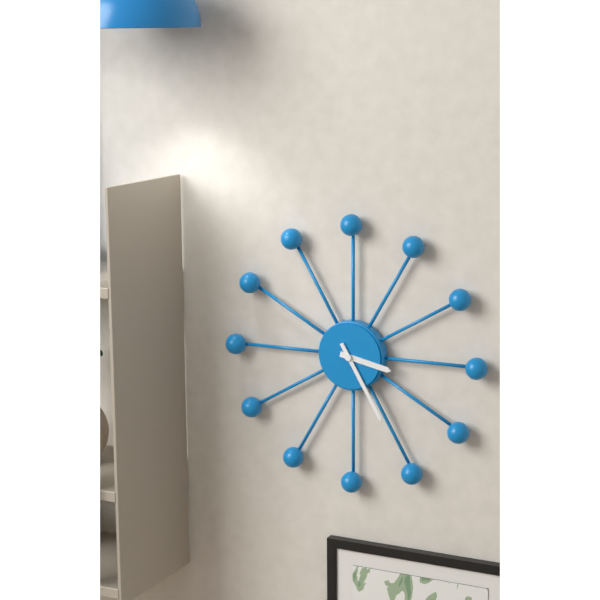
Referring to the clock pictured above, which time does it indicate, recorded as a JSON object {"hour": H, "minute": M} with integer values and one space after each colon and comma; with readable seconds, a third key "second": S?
{"hour": 3, "minute": 25}
